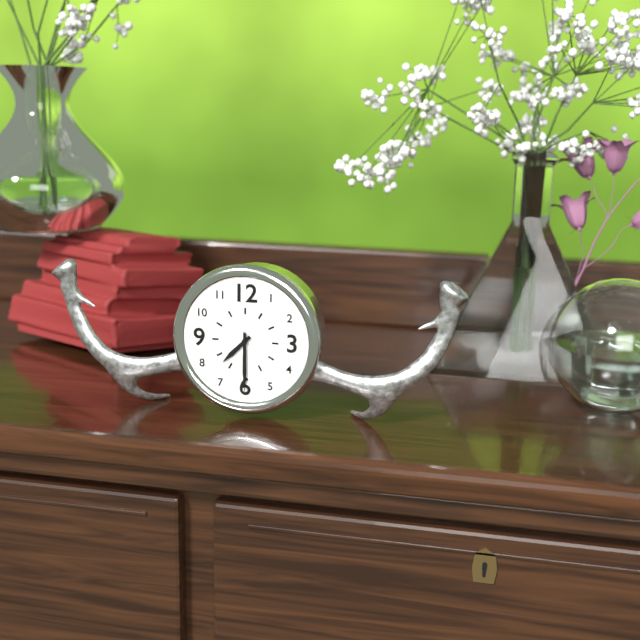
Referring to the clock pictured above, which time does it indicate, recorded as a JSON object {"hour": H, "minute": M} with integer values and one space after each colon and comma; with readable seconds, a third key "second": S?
{"hour": 7, "minute": 30}
